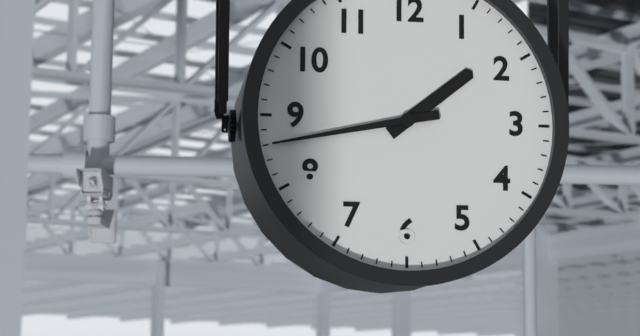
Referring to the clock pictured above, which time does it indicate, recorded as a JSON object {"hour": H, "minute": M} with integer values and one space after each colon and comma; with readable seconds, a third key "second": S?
{"hour": 1, "minute": 43}
